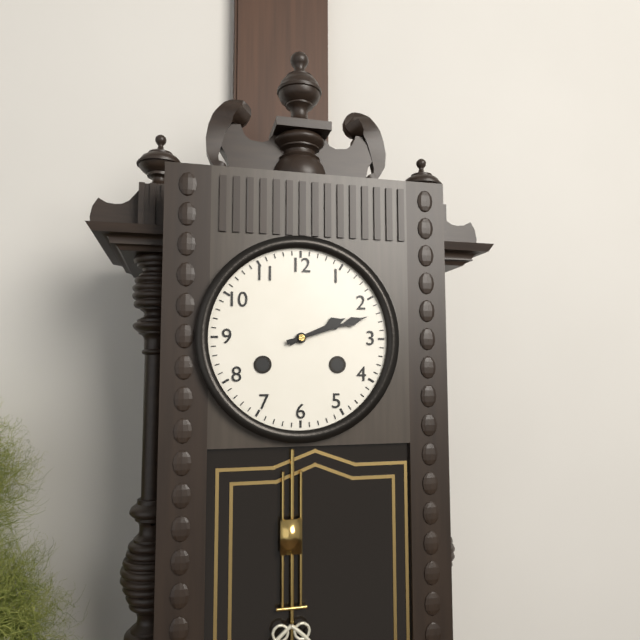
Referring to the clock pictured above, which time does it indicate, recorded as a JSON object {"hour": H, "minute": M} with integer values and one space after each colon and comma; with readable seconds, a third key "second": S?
{"hour": 2, "minute": 12}
